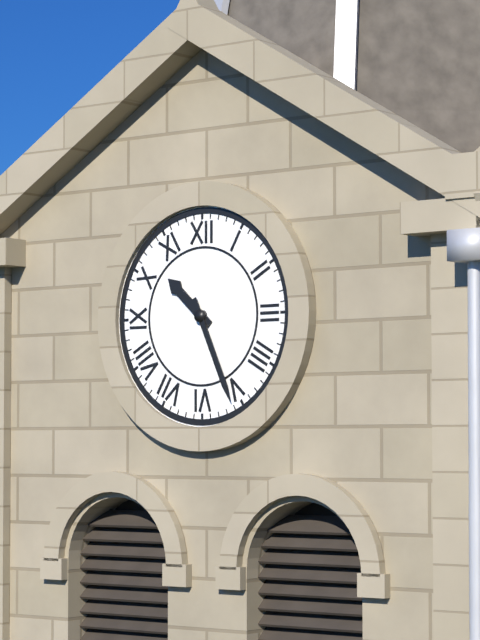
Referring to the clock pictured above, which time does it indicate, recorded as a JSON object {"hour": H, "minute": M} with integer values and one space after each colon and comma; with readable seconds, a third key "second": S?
{"hour": 10, "minute": 26}
